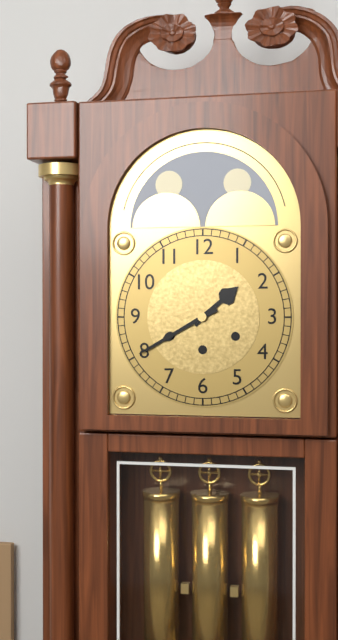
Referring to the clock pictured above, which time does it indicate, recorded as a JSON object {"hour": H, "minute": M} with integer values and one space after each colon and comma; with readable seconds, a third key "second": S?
{"hour": 1, "minute": 40}
